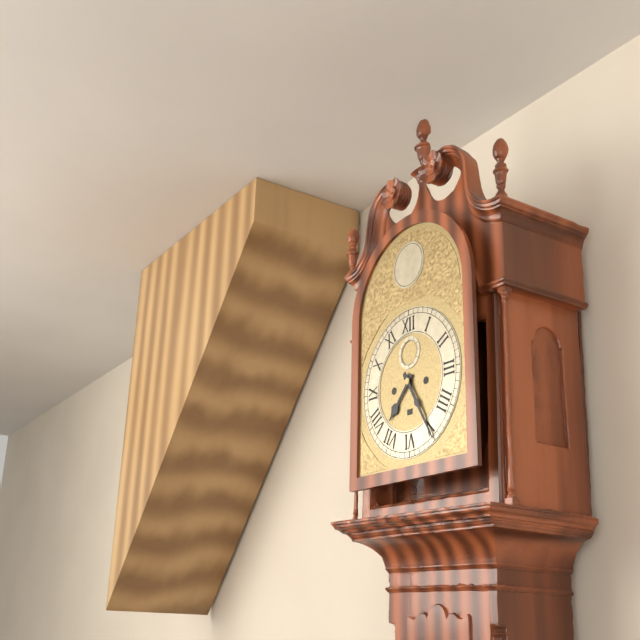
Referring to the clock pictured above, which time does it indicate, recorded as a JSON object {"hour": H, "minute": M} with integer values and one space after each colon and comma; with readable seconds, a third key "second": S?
{"hour": 7, "minute": 25}
